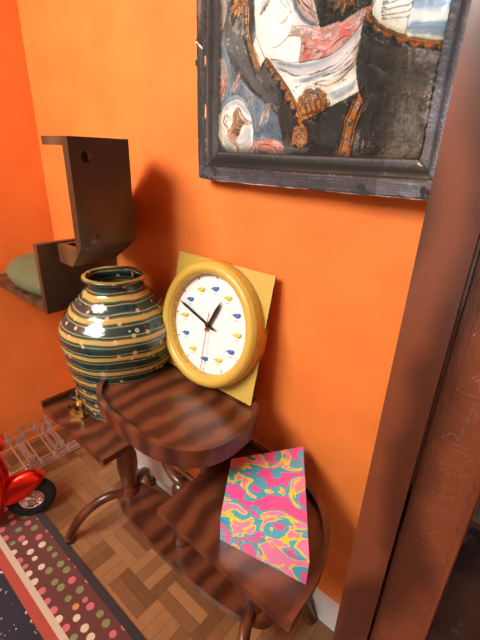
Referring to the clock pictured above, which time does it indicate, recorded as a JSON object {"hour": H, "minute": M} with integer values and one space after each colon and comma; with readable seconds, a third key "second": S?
{"hour": 12, "minute": 48, "second": 30}
